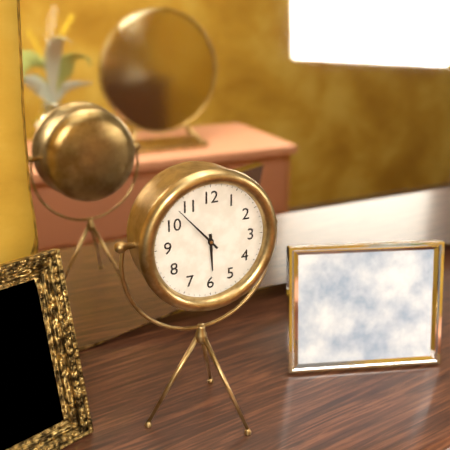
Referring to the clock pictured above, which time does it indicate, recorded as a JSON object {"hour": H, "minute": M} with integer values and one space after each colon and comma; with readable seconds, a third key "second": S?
{"hour": 5, "minute": 53}
